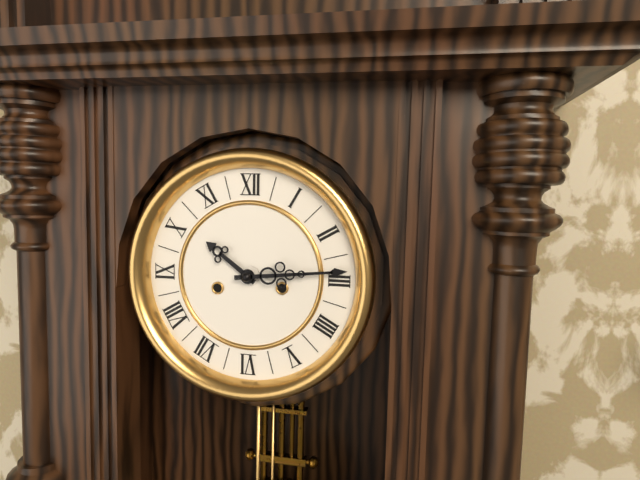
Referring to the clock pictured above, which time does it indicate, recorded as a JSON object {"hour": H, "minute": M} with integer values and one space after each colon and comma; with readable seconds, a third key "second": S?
{"hour": 10, "minute": 14}
